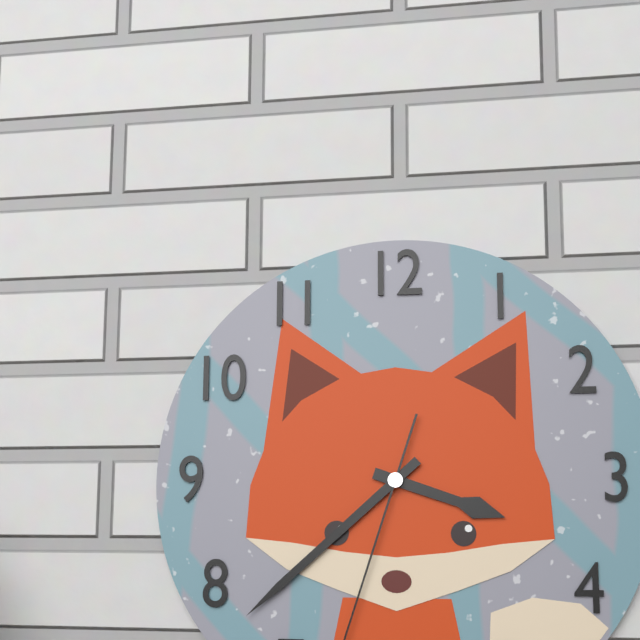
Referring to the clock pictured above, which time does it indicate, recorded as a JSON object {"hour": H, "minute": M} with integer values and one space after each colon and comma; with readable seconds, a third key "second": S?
{"hour": 3, "minute": 38}
